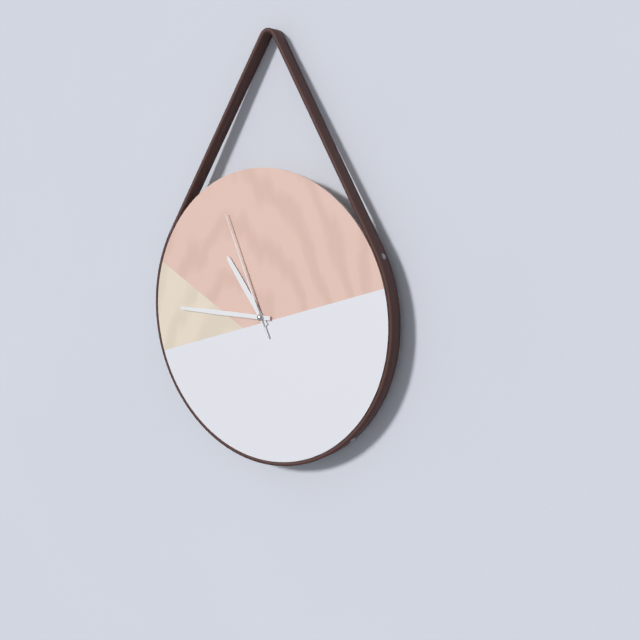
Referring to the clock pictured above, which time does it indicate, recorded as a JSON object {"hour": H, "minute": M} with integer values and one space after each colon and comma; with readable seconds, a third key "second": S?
{"hour": 10, "minute": 45, "second": 56}
